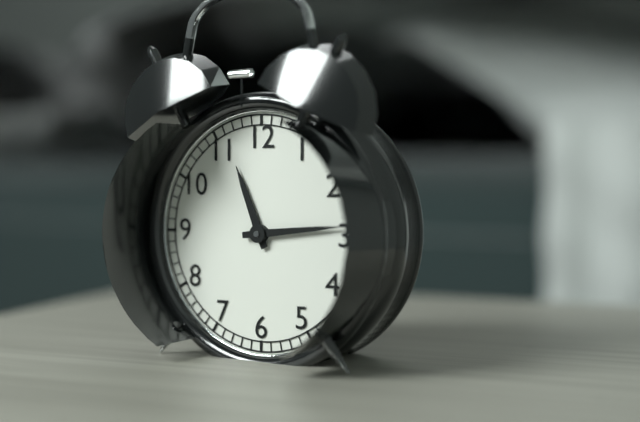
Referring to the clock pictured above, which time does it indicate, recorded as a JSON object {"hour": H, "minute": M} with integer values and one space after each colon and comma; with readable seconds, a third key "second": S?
{"hour": 11, "minute": 14}
